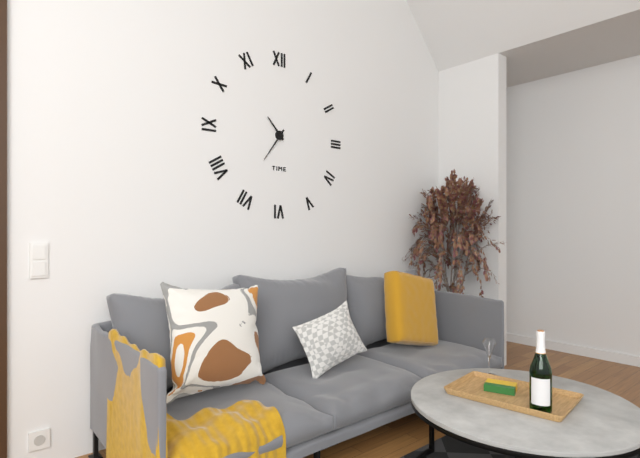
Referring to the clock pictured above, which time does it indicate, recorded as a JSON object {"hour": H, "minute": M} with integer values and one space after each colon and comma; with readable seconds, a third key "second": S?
{"hour": 10, "minute": 36}
